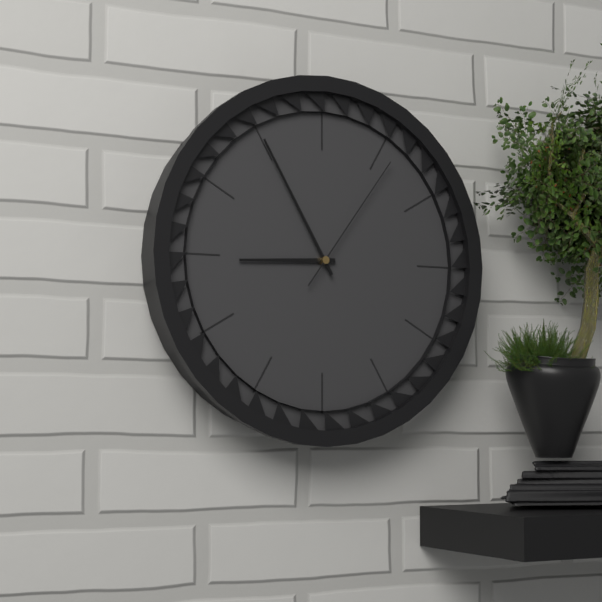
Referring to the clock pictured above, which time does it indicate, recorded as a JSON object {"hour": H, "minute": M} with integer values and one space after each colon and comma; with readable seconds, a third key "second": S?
{"hour": 8, "minute": 55, "second": 6}
